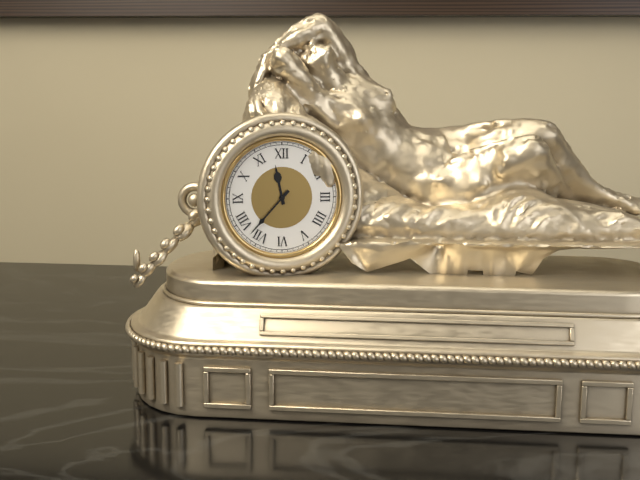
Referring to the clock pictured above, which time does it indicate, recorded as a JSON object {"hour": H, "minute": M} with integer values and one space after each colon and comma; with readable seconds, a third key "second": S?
{"hour": 11, "minute": 37}
